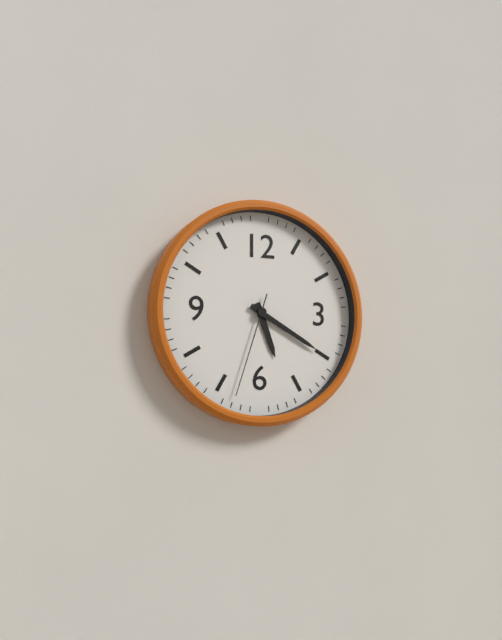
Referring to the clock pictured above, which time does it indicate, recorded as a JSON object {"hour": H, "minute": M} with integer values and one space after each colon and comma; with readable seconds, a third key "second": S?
{"hour": 5, "minute": 20, "second": 33}
